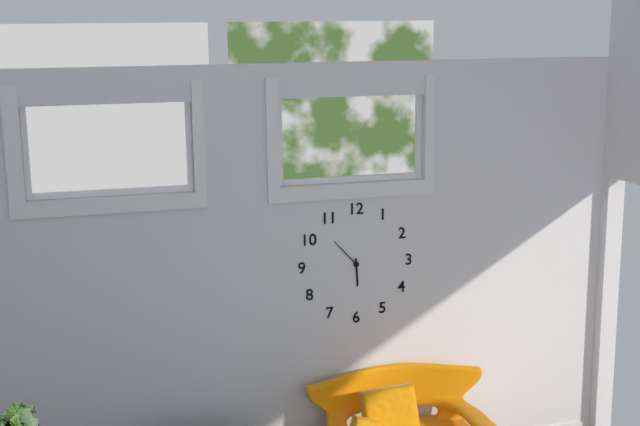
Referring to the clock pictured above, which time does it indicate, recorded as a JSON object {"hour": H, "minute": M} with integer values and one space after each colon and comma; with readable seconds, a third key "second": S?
{"hour": 5, "minute": 53}
